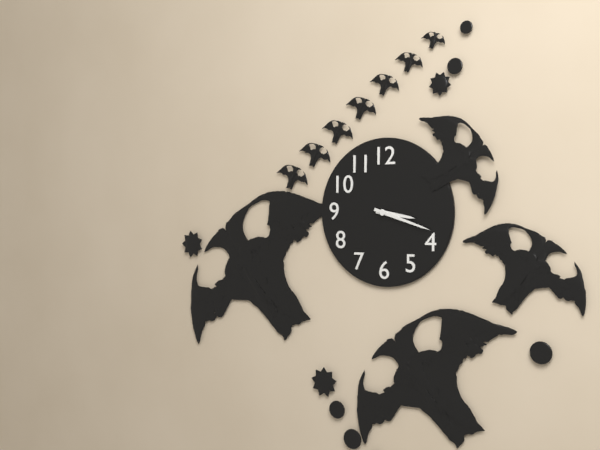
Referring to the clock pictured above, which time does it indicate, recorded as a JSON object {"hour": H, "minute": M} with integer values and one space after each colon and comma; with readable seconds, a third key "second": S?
{"hour": 3, "minute": 18}
